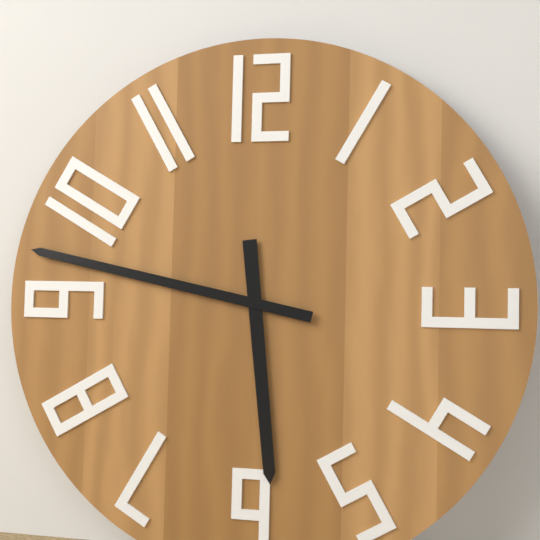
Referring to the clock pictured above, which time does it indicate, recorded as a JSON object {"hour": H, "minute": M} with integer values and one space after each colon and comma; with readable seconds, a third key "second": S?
{"hour": 5, "minute": 47}
